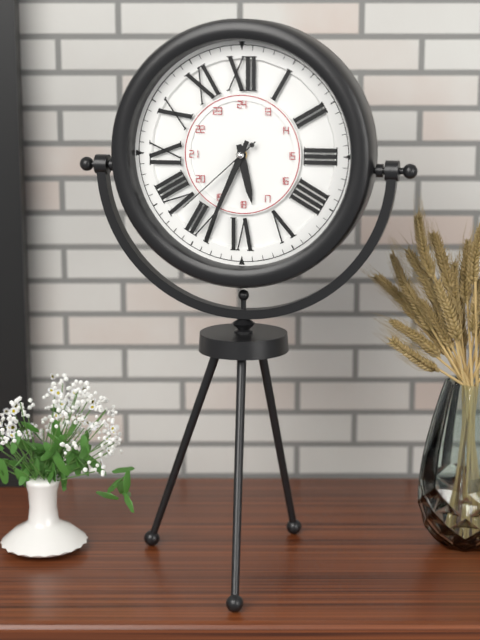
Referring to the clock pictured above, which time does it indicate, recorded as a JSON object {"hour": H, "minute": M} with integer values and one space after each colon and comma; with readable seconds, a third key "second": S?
{"hour": 5, "minute": 34, "second": 38}
